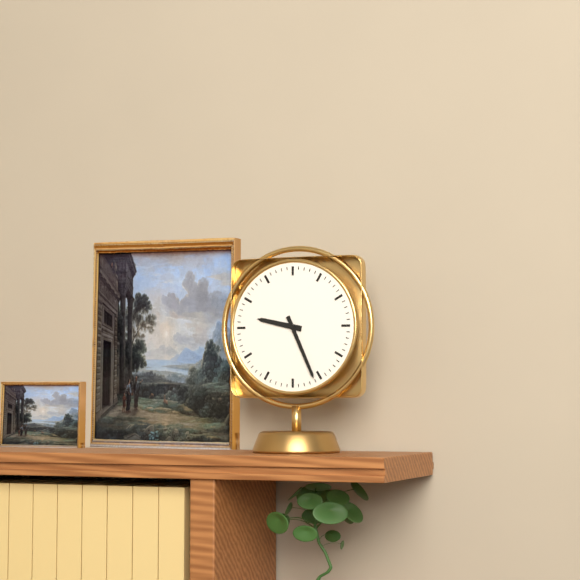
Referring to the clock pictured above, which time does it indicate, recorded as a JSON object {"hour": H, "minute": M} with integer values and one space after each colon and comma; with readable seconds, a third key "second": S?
{"hour": 9, "minute": 26}
